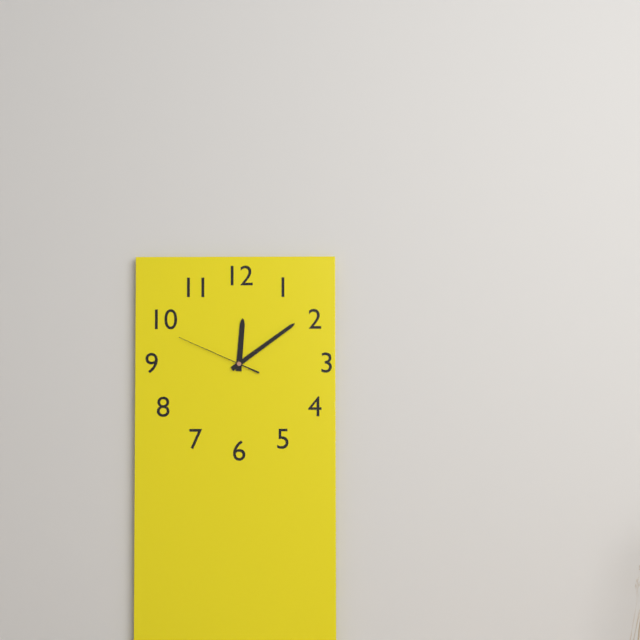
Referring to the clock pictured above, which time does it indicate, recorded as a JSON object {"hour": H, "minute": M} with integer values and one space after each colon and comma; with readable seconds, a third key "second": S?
{"hour": 12, "minute": 9, "second": 49}
